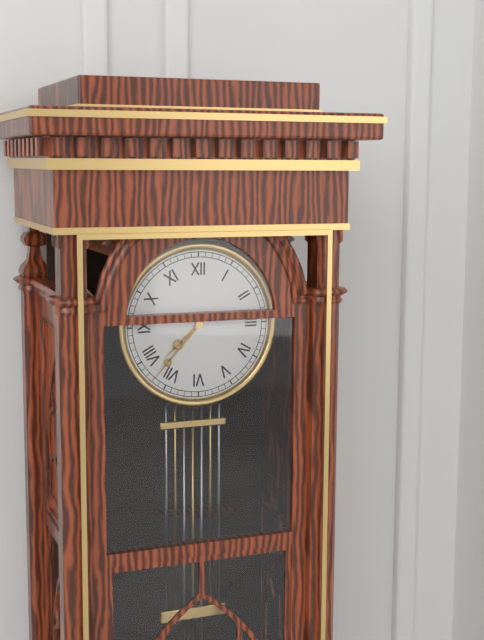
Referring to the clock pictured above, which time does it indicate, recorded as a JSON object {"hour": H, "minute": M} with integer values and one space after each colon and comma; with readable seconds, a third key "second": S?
{"hour": 7, "minute": 37}
